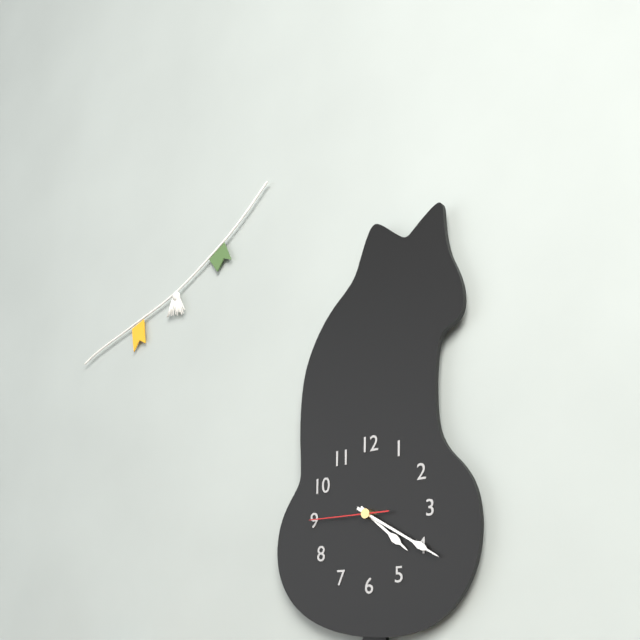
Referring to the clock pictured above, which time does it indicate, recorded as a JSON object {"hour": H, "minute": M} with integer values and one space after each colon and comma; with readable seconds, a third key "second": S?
{"hour": 4, "minute": 20, "second": 45}
